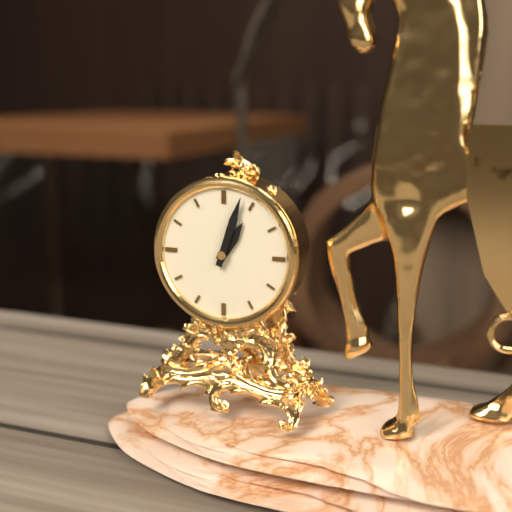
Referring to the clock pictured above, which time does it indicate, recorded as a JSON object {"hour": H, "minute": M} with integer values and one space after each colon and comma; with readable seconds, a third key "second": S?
{"hour": 1, "minute": 3}
